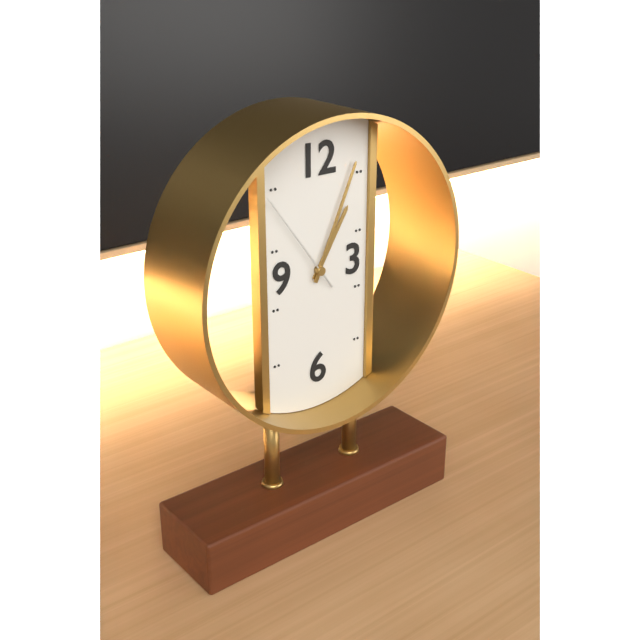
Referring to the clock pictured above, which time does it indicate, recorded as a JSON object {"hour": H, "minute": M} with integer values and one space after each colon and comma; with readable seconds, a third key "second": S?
{"hour": 1, "minute": 4, "second": 54}
